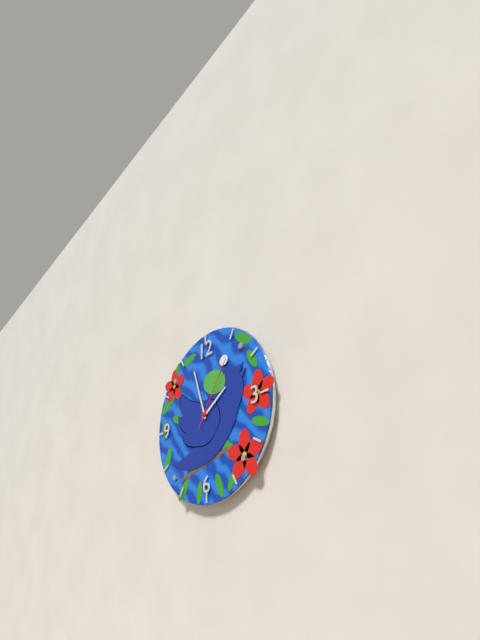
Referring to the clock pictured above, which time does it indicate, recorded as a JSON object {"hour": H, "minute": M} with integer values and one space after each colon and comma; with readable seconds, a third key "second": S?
{"hour": 1, "minute": 57, "second": 6}
